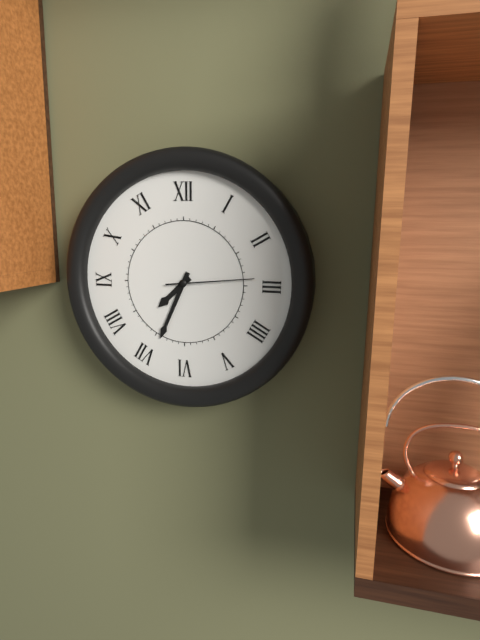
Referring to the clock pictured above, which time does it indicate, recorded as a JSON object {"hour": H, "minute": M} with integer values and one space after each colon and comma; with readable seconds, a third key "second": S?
{"hour": 7, "minute": 34, "second": 14}
